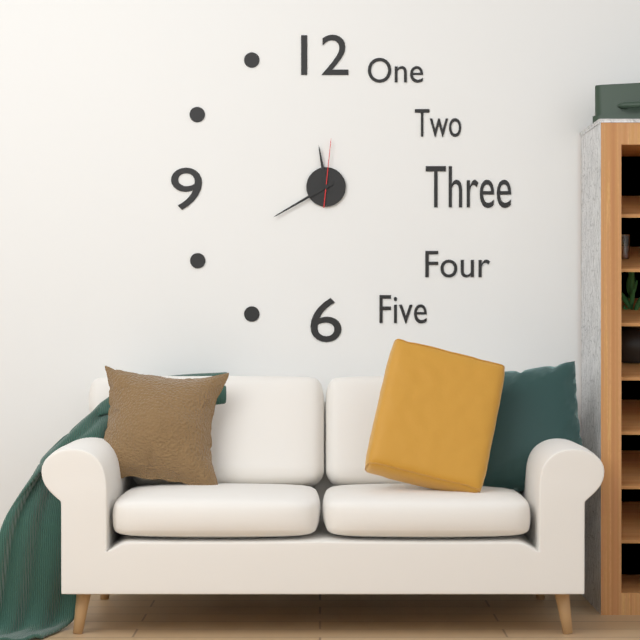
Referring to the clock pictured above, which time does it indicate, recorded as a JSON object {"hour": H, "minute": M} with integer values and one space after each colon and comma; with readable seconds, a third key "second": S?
{"hour": 11, "minute": 40, "second": 1}
